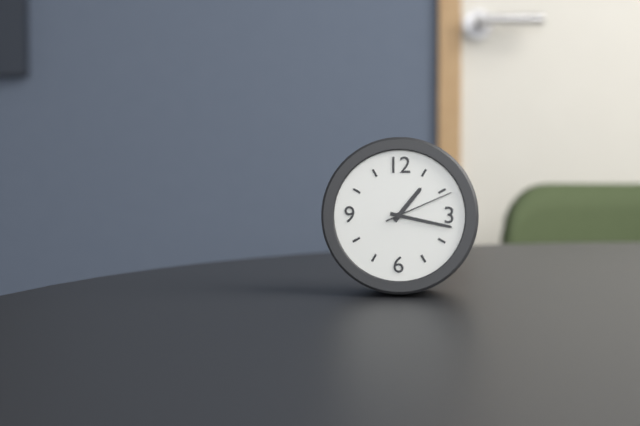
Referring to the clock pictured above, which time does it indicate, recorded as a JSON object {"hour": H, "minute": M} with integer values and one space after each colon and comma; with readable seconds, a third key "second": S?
{"hour": 1, "minute": 17, "second": 11}
